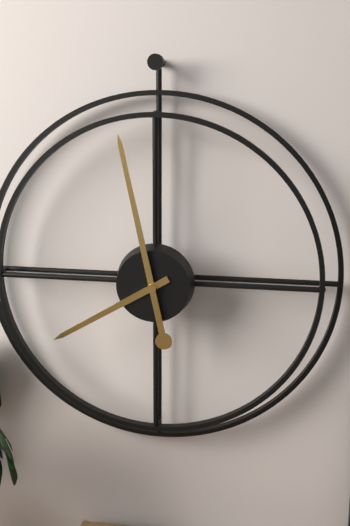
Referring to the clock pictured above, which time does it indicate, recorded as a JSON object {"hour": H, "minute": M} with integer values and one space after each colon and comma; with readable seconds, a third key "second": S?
{"hour": 7, "minute": 58}
